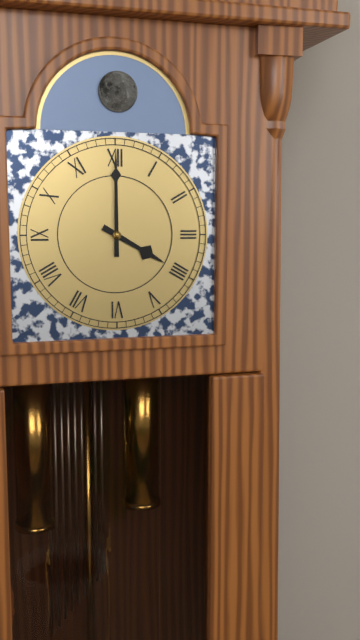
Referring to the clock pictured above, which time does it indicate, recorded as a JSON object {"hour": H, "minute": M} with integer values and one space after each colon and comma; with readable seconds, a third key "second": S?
{"hour": 4, "minute": 0}
